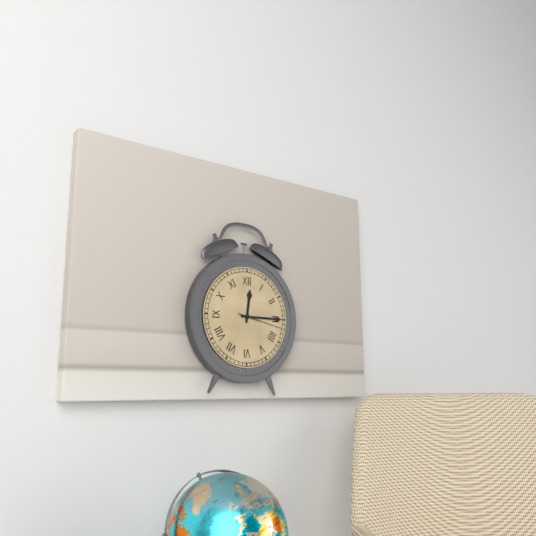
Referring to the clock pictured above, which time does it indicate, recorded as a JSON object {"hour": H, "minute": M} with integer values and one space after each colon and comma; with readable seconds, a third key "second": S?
{"hour": 12, "minute": 15}
